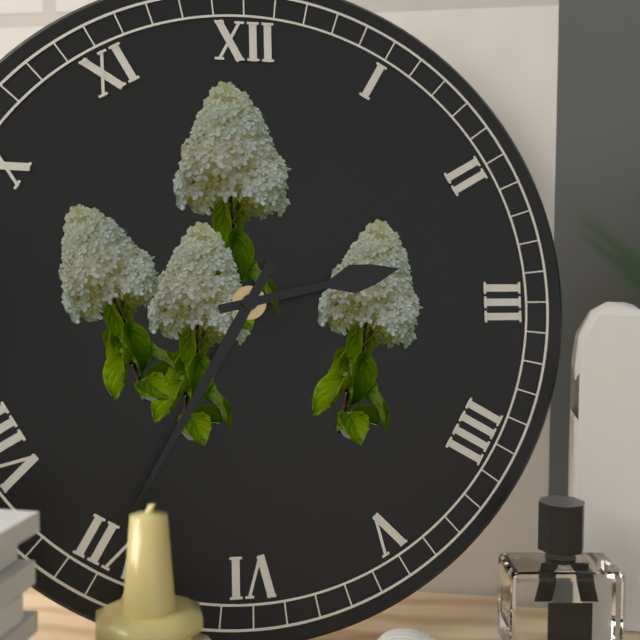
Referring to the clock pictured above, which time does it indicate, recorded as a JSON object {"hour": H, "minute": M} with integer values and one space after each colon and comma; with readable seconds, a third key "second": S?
{"hour": 2, "minute": 35}
